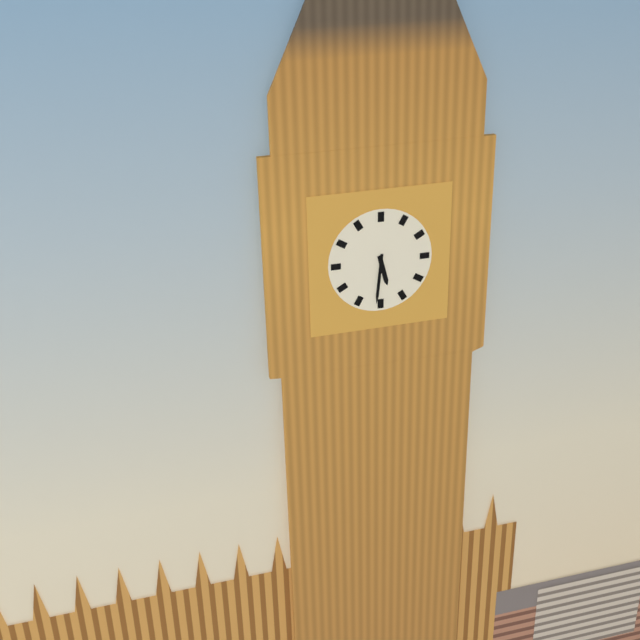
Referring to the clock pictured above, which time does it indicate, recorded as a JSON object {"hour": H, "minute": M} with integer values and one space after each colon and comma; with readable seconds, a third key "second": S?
{"hour": 5, "minute": 31}
